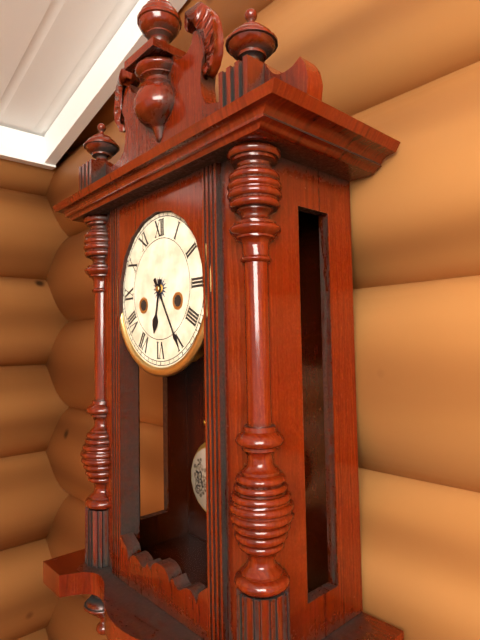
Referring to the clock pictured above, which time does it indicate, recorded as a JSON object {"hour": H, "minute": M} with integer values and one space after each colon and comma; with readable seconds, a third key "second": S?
{"hour": 6, "minute": 25}
